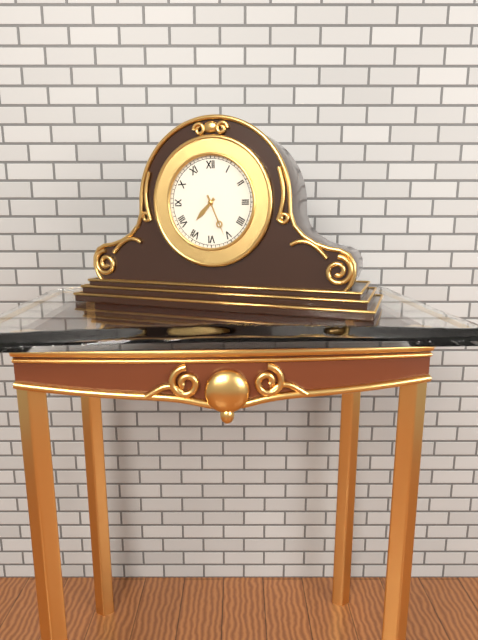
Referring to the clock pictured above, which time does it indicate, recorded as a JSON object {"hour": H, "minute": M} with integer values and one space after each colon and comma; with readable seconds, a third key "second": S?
{"hour": 7, "minute": 26}
